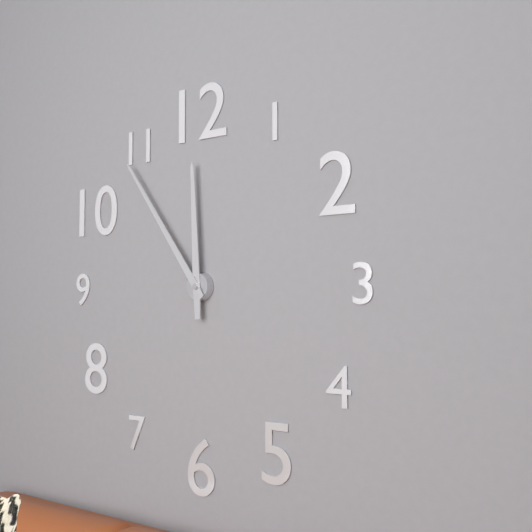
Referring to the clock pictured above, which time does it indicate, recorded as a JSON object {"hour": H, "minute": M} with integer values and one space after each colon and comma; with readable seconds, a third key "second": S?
{"hour": 11, "minute": 54}
